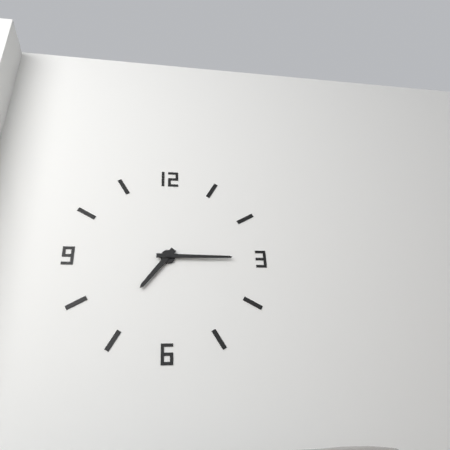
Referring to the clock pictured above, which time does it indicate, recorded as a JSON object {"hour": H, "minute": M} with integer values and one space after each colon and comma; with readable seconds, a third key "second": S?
{"hour": 7, "minute": 15}
